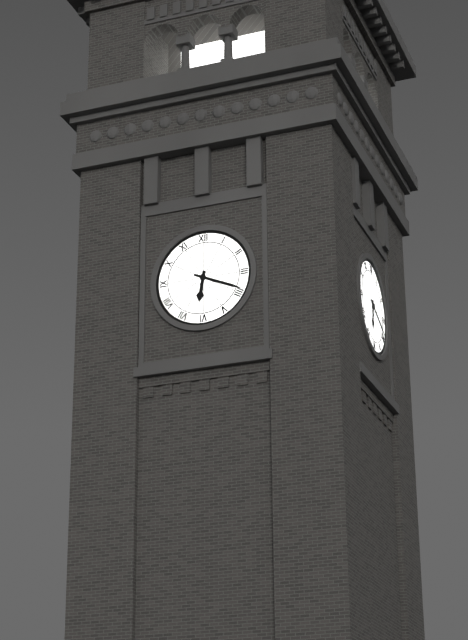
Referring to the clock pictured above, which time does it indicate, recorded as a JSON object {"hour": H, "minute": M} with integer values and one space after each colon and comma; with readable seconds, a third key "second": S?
{"hour": 6, "minute": 19}
